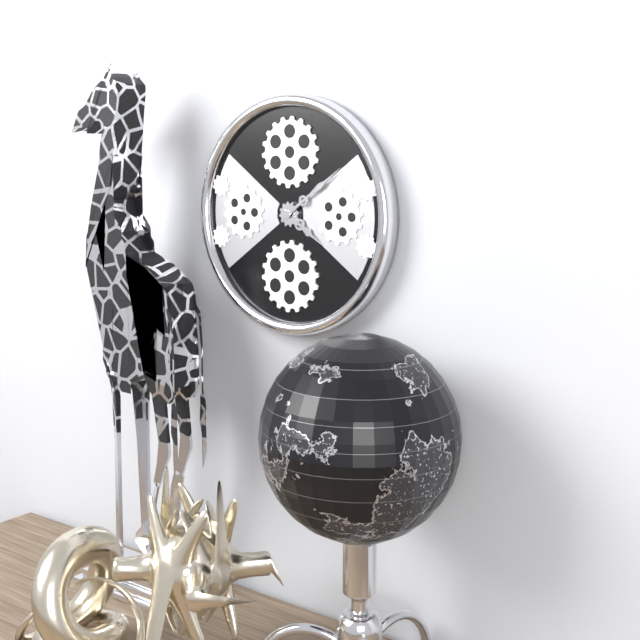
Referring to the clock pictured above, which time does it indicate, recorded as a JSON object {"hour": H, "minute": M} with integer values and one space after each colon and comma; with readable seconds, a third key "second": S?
{"hour": 4, "minute": 9}
